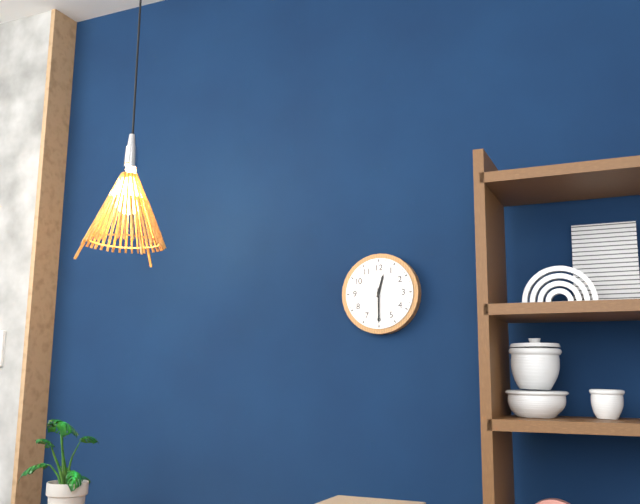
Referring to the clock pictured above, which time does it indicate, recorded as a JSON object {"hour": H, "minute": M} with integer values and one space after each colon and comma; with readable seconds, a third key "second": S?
{"hour": 12, "minute": 30}
